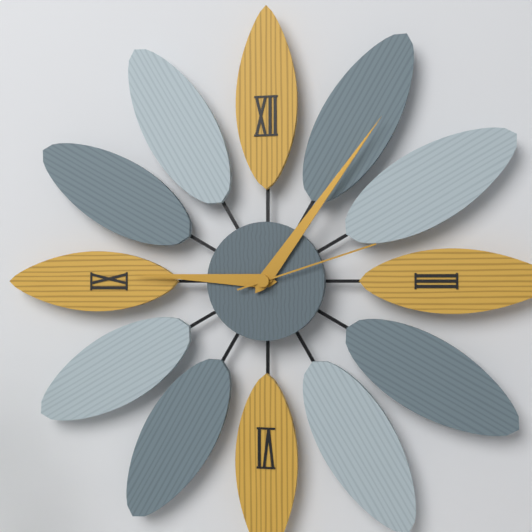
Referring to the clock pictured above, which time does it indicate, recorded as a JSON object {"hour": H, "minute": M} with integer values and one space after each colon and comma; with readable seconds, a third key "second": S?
{"hour": 9, "minute": 6, "second": 12}
